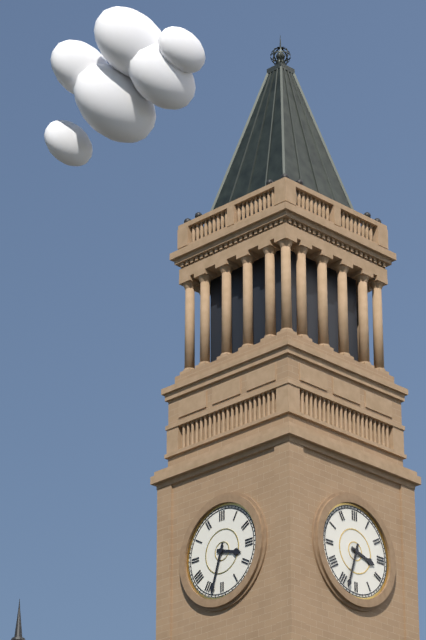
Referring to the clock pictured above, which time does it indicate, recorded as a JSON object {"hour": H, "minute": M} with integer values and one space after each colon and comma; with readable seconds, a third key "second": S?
{"hour": 3, "minute": 33}
